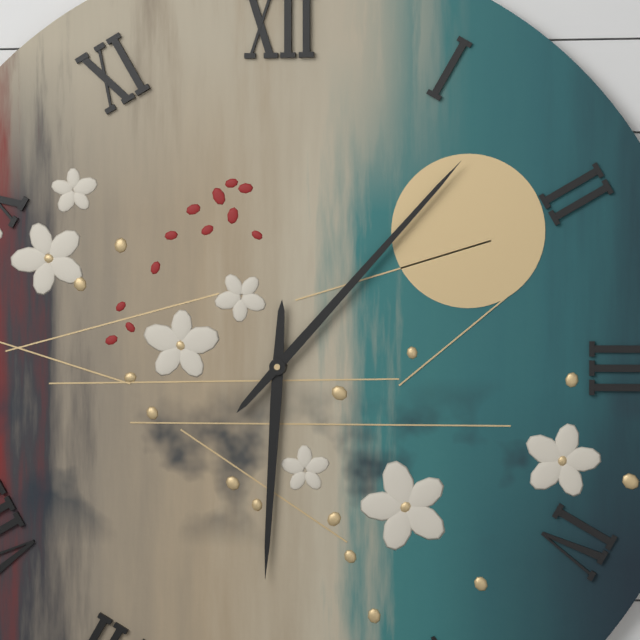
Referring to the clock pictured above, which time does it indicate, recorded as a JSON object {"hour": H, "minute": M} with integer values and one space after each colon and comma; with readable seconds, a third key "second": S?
{"hour": 6, "minute": 7}
